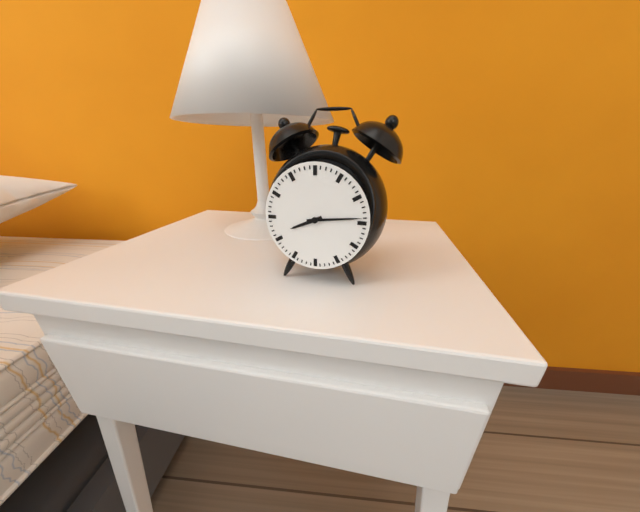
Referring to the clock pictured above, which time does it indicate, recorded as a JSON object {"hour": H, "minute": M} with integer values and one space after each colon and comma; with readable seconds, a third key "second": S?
{"hour": 8, "minute": 14}
